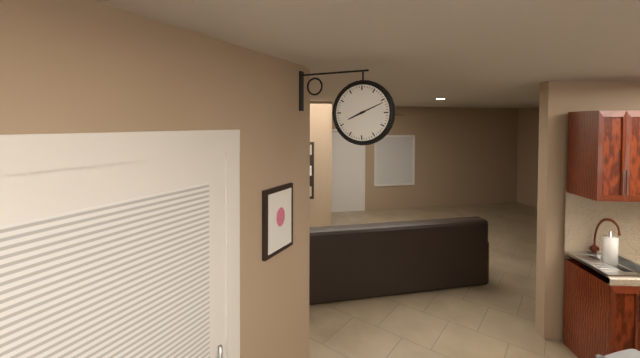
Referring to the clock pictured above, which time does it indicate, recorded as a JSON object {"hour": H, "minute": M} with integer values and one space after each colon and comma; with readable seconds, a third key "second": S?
{"hour": 8, "minute": 11}
